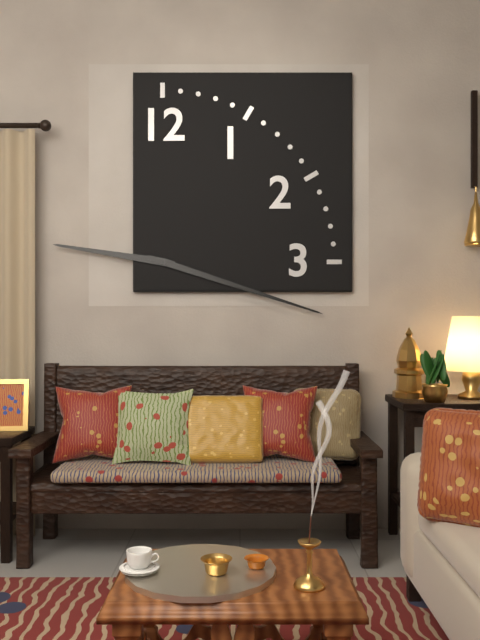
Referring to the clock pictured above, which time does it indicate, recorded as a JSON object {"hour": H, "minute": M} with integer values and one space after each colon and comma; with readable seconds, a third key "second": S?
{"hour": 9, "minute": 18}
